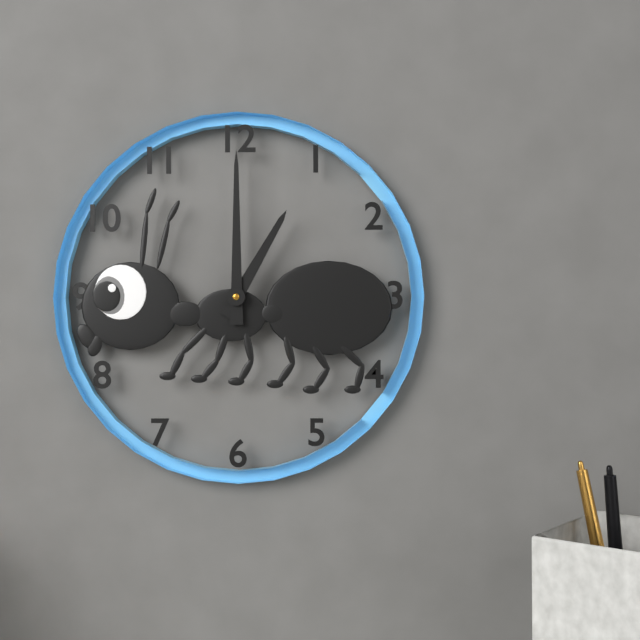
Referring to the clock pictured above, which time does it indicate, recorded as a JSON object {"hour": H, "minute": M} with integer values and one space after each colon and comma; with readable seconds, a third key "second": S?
{"hour": 1, "minute": 0}
